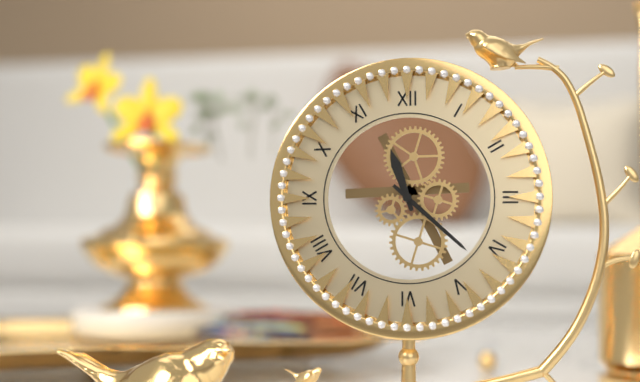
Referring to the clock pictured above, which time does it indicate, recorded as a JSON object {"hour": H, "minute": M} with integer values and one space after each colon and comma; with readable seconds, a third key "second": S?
{"hour": 11, "minute": 22}
